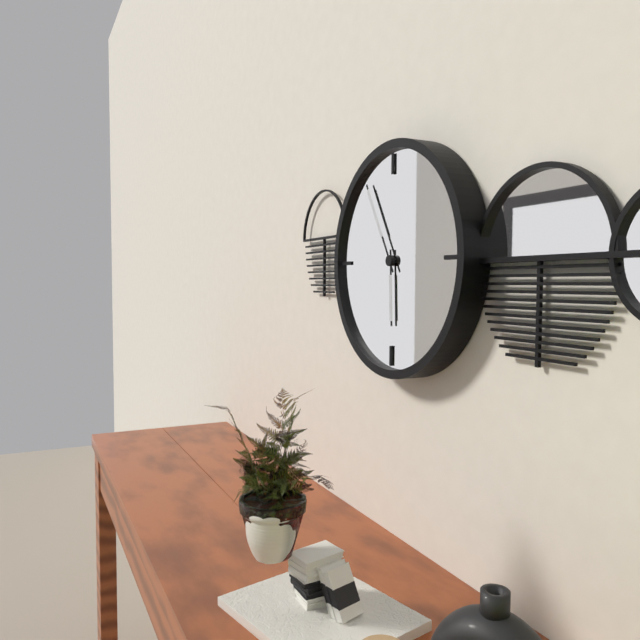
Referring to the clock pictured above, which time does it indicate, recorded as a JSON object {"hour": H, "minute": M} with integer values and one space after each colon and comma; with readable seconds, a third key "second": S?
{"hour": 5, "minute": 55}
